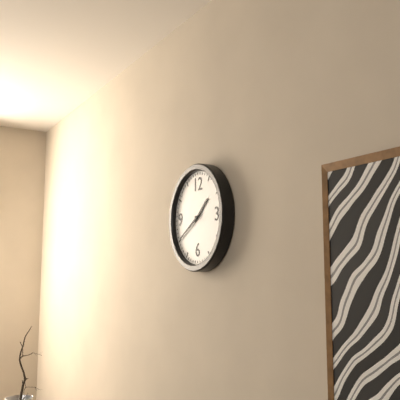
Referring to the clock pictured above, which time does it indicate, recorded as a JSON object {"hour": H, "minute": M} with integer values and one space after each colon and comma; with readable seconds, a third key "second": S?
{"hour": 1, "minute": 40}
